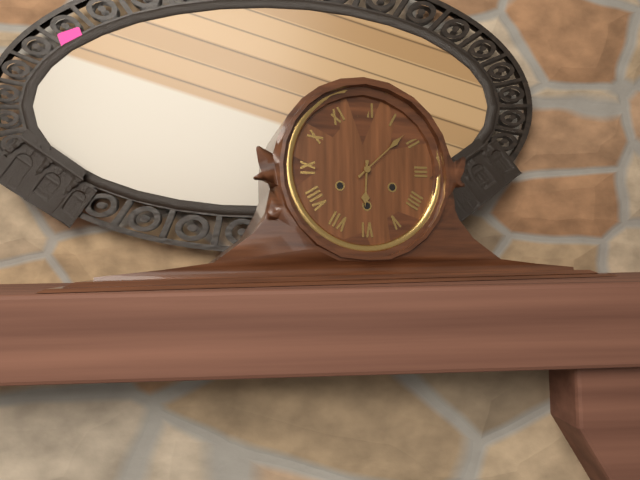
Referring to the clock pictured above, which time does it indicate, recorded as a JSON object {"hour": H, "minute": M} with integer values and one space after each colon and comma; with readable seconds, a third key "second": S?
{"hour": 6, "minute": 8}
